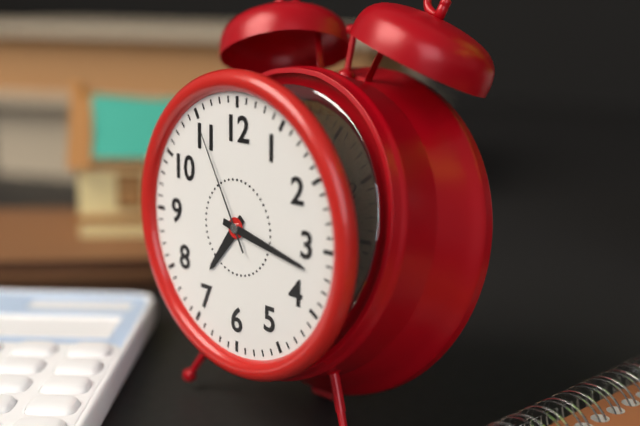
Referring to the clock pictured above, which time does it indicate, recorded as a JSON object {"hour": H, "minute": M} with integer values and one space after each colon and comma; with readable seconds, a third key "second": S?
{"hour": 7, "minute": 17, "second": 55}
